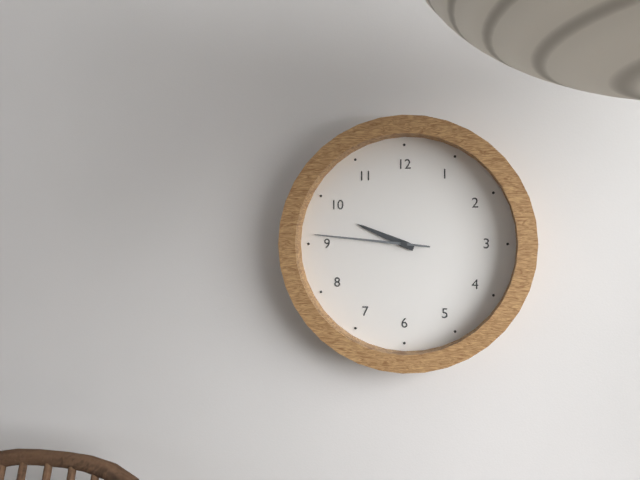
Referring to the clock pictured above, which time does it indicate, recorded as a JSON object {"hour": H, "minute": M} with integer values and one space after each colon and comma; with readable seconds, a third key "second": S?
{"hour": 9, "minute": 46}
